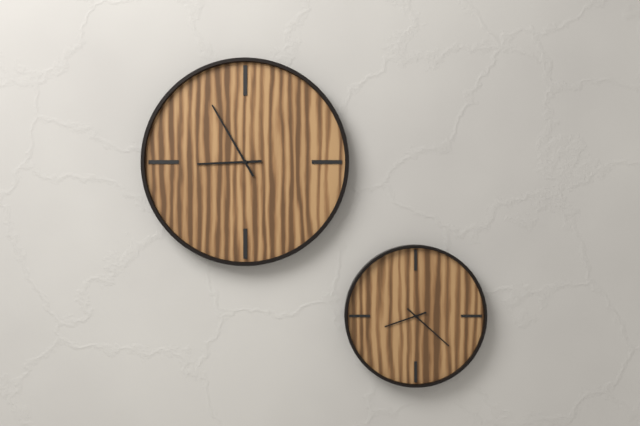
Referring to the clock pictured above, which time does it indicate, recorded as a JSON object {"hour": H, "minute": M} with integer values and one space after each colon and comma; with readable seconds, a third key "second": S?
{"hour": 8, "minute": 55}
